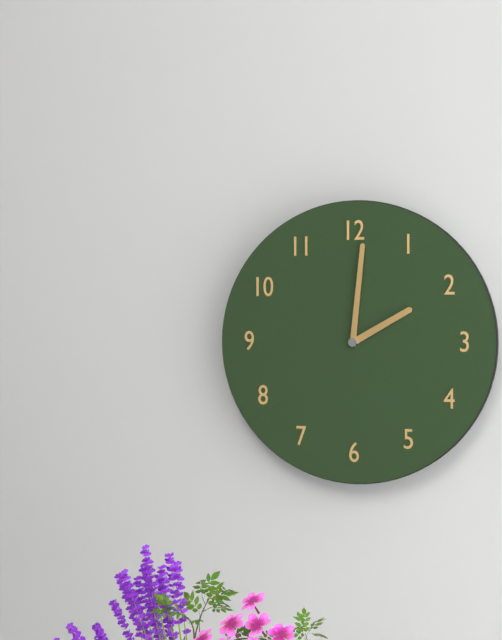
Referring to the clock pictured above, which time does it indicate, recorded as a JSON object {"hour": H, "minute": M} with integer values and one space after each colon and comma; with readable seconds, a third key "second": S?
{"hour": 2, "minute": 1}
